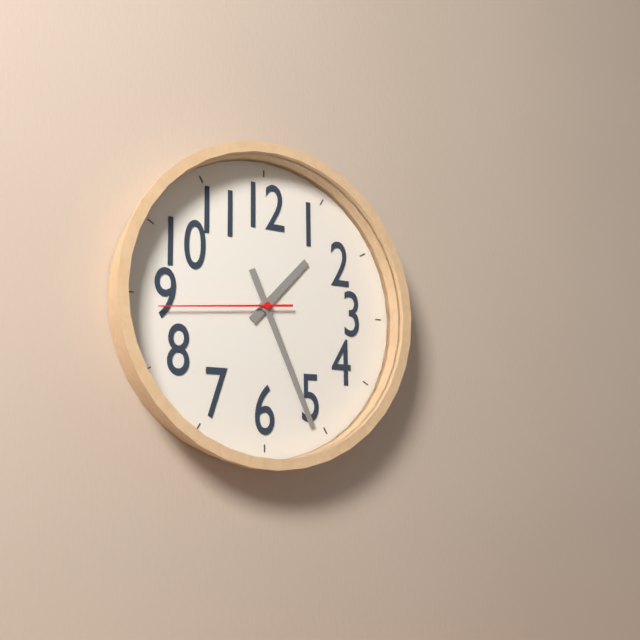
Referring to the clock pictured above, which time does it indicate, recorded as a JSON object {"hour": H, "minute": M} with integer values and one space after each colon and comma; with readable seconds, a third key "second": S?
{"hour": 1, "minute": 26, "second": 44}
